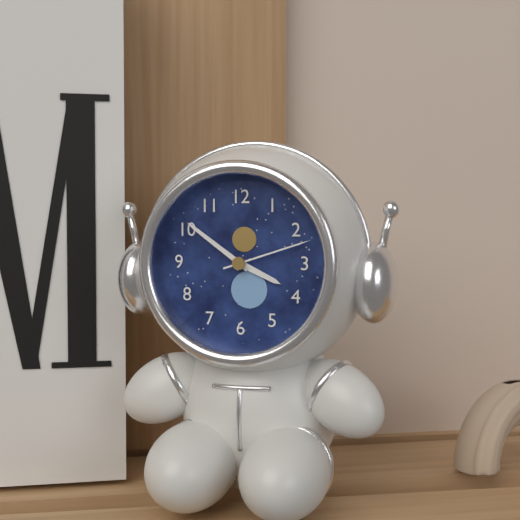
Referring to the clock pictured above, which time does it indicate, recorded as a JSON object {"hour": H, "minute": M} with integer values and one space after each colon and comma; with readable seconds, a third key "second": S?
{"hour": 3, "minute": 51, "second": 12}
